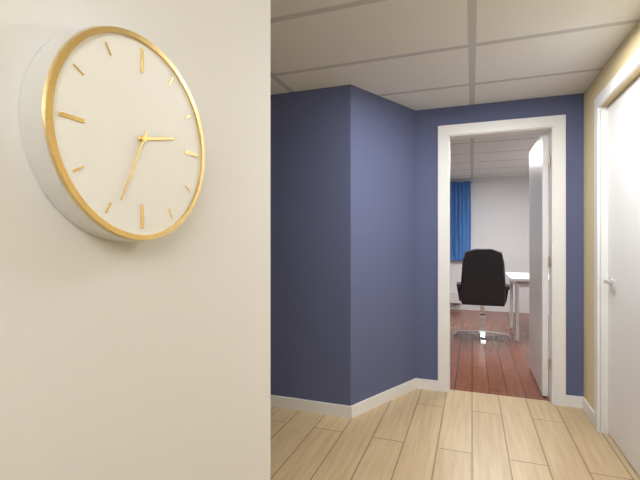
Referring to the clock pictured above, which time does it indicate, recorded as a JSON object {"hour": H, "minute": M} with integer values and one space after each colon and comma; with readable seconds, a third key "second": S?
{"hour": 2, "minute": 34}
